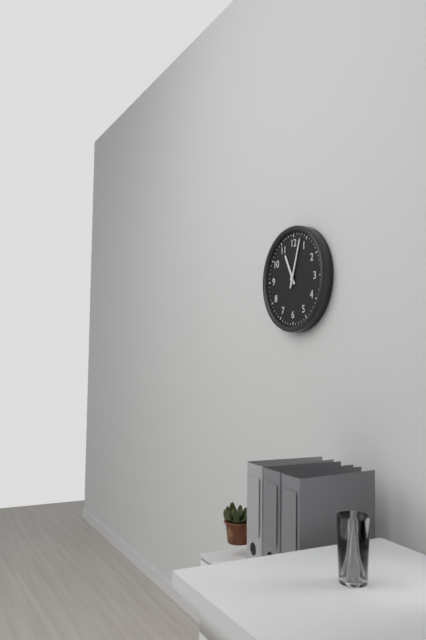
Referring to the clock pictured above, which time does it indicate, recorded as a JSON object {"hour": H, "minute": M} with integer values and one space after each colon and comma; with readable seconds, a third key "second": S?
{"hour": 11, "minute": 3}
